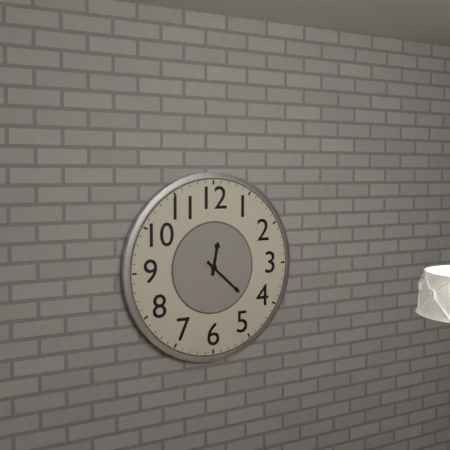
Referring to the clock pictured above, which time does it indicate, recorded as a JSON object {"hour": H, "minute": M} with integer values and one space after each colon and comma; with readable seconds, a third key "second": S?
{"hour": 12, "minute": 22}
